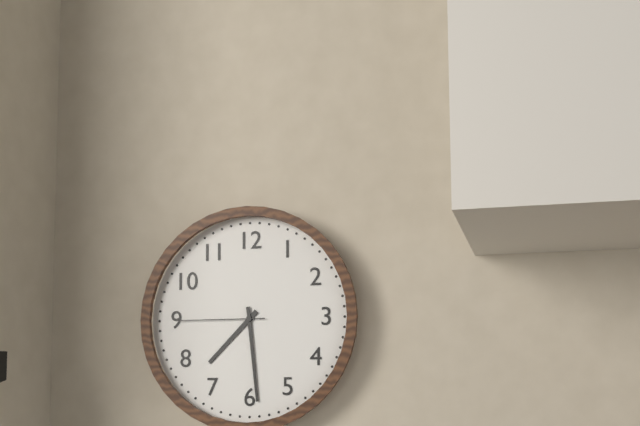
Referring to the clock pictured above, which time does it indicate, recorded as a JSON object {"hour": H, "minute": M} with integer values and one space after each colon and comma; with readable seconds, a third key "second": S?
{"hour": 7, "minute": 29, "second": 45}
